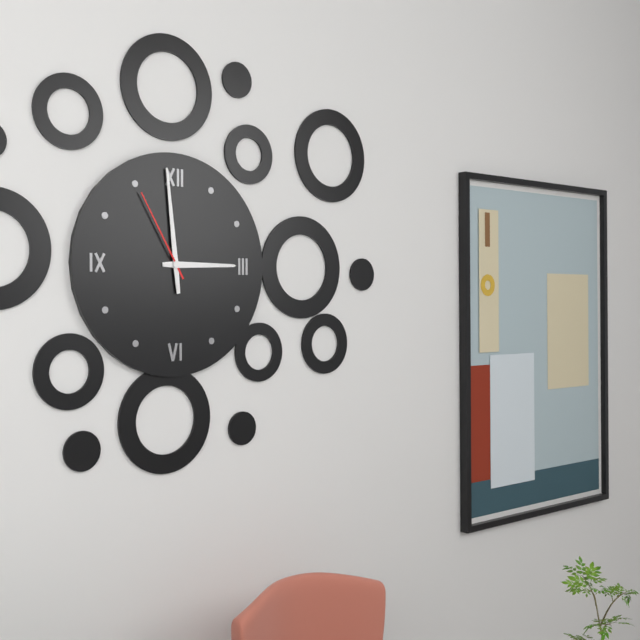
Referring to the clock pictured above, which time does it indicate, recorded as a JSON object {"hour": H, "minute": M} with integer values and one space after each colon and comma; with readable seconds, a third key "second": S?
{"hour": 2, "minute": 59, "second": 55}
